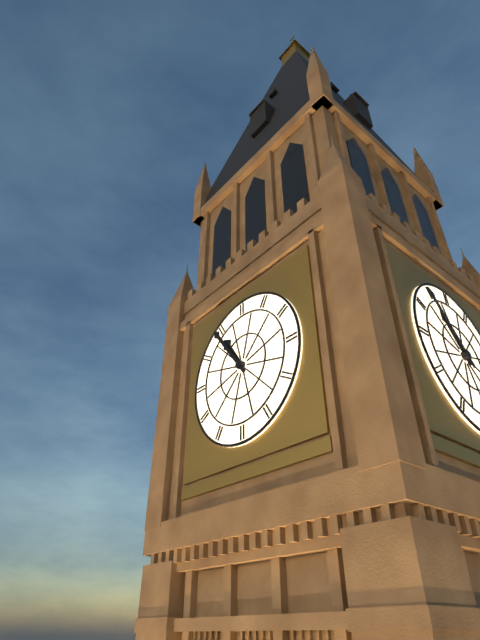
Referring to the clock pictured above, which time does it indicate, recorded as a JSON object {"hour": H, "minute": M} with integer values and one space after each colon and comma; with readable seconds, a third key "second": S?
{"hour": 10, "minute": 54}
